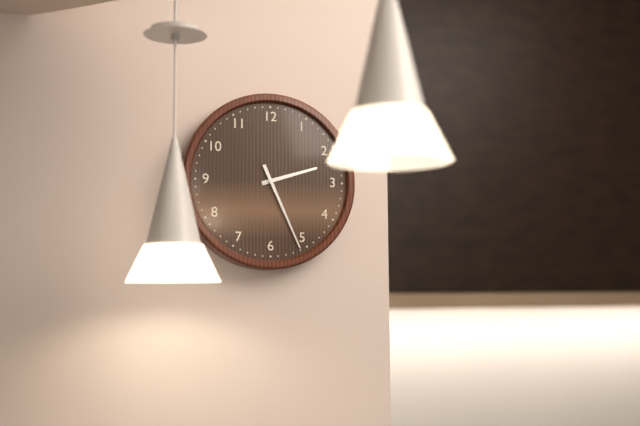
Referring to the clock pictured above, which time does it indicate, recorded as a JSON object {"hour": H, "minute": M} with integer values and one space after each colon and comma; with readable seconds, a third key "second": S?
{"hour": 2, "minute": 26}
